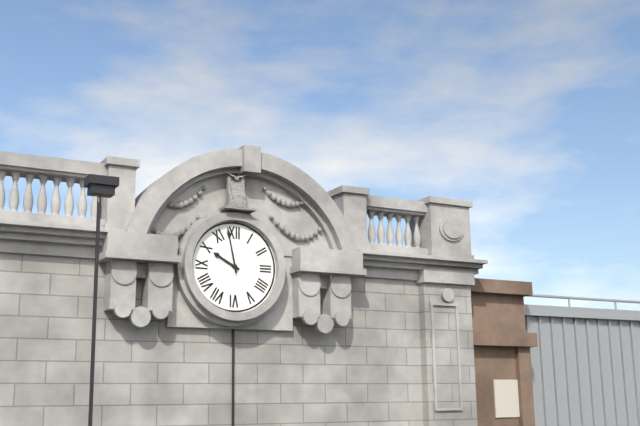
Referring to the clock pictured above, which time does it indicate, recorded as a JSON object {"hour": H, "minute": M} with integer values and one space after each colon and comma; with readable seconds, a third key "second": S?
{"hour": 9, "minute": 58}
